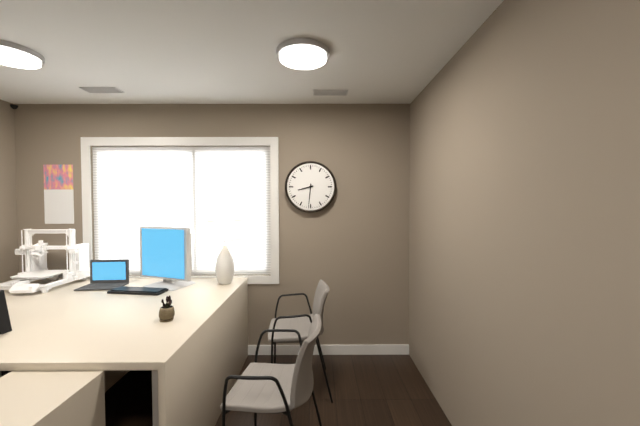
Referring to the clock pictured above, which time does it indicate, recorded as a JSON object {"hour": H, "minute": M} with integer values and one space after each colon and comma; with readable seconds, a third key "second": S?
{"hour": 8, "minute": 31}
